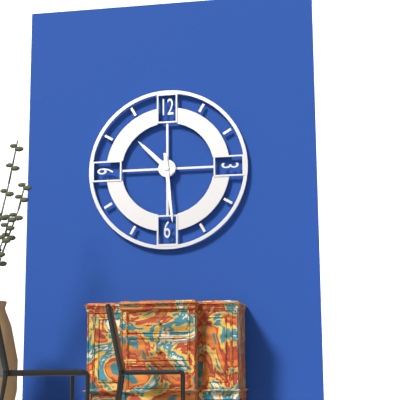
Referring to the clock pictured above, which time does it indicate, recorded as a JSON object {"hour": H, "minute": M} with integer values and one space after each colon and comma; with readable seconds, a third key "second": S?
{"hour": 10, "minute": 29}
